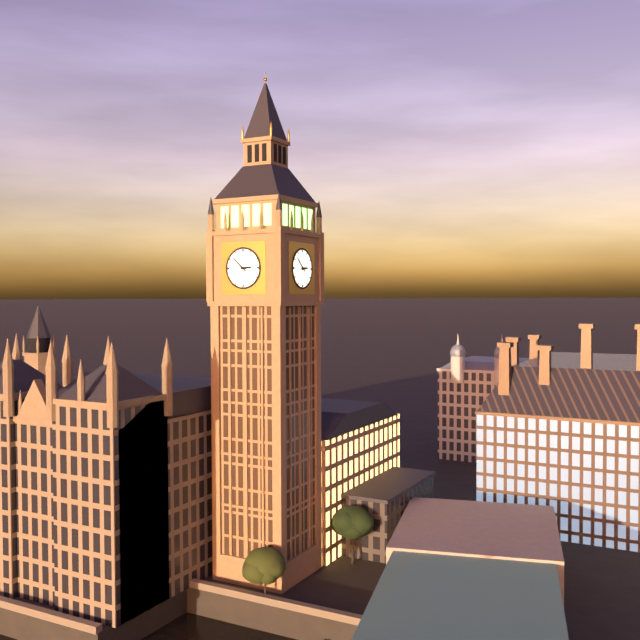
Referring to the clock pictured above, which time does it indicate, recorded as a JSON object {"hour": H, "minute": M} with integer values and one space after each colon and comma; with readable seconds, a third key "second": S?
{"hour": 2, "minute": 52}
